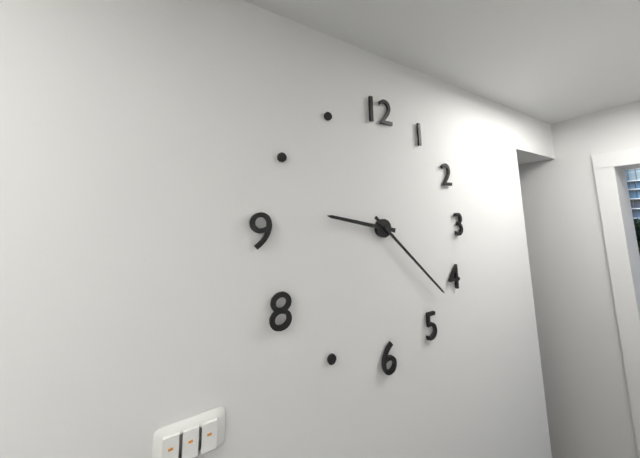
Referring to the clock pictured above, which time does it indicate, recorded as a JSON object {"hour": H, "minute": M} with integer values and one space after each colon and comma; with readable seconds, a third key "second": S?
{"hour": 9, "minute": 22}
